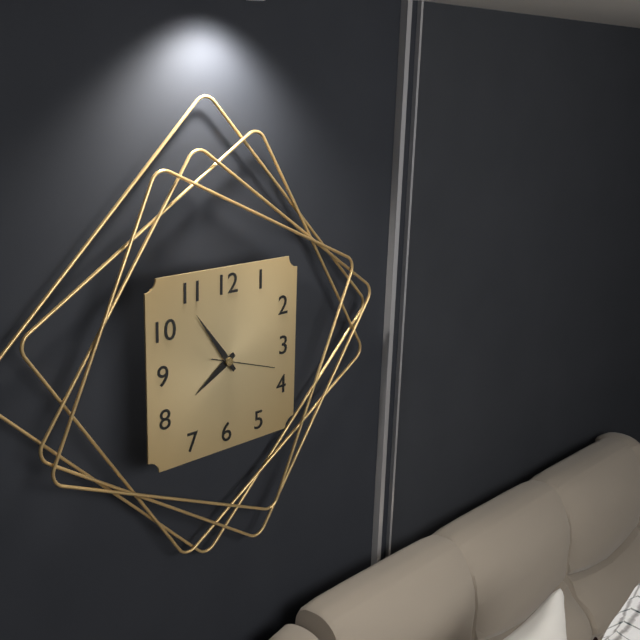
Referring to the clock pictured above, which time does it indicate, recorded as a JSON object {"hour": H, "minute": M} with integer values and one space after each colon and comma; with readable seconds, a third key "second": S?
{"hour": 7, "minute": 54, "second": 18}
